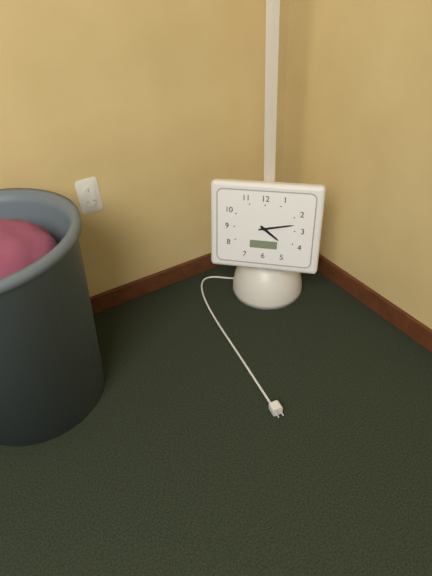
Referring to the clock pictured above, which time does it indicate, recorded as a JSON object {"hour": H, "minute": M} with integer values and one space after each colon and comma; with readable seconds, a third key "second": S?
{"hour": 4, "minute": 13}
